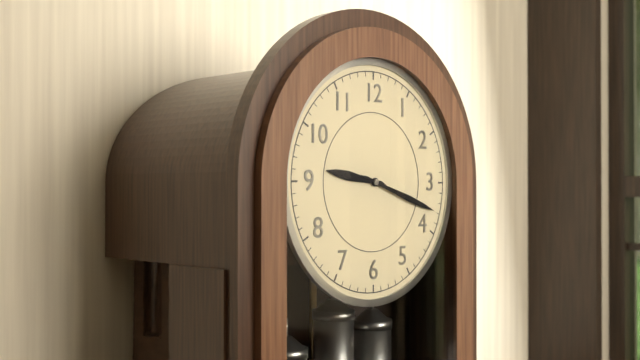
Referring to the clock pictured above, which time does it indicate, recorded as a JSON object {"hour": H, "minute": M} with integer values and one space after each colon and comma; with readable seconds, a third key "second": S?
{"hour": 9, "minute": 18}
